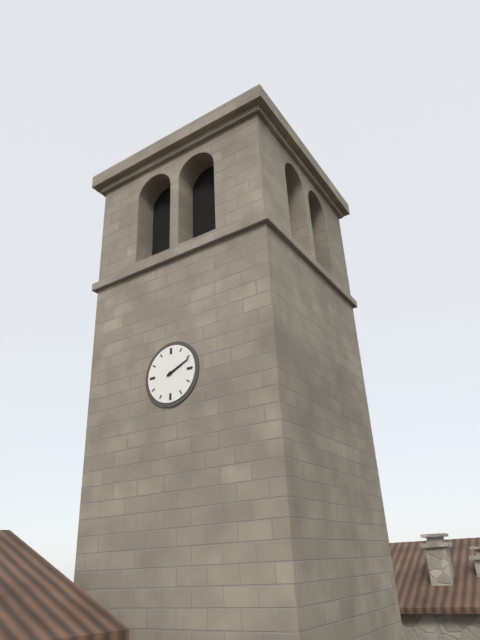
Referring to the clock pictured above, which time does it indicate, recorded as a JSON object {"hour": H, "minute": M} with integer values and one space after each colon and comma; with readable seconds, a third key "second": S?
{"hour": 2, "minute": 11}
